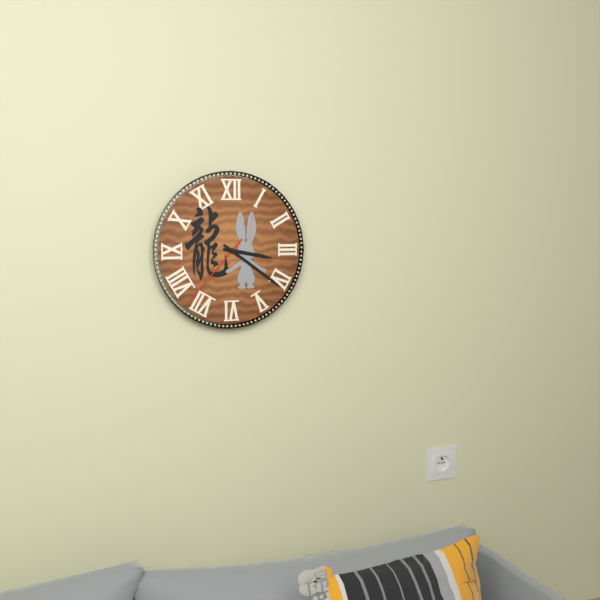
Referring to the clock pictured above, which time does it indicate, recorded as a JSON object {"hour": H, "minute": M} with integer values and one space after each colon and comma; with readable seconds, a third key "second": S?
{"hour": 3, "minute": 21, "second": 37}
